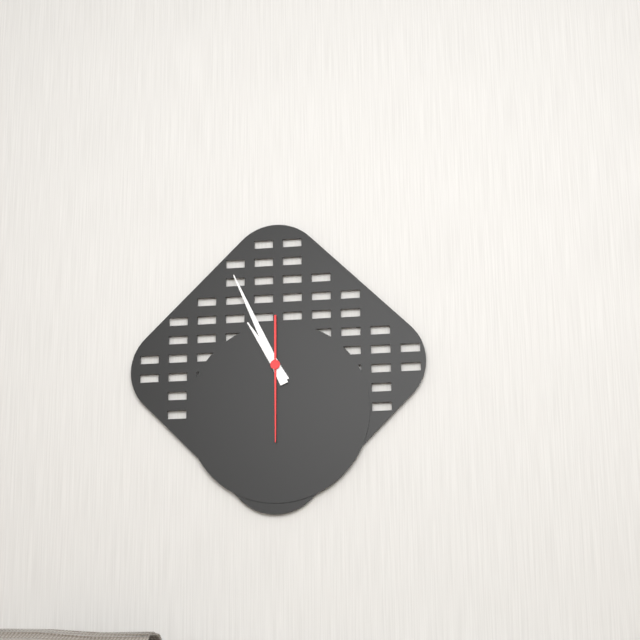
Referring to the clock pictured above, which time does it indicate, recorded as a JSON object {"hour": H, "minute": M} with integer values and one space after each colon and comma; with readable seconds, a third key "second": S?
{"hour": 10, "minute": 56, "second": 30}
